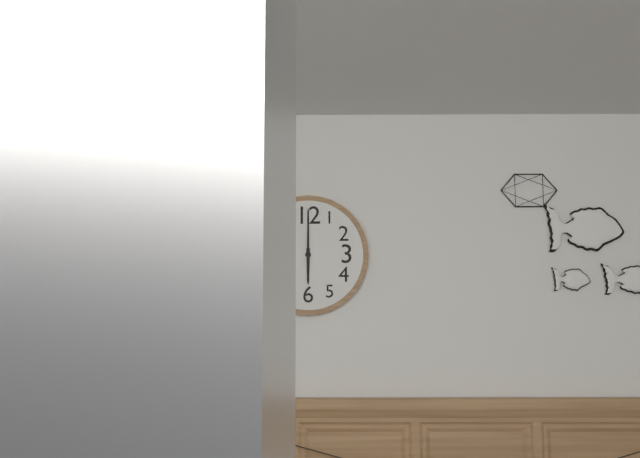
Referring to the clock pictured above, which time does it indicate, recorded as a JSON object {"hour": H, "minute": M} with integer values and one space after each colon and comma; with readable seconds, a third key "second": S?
{"hour": 6, "minute": 0}
